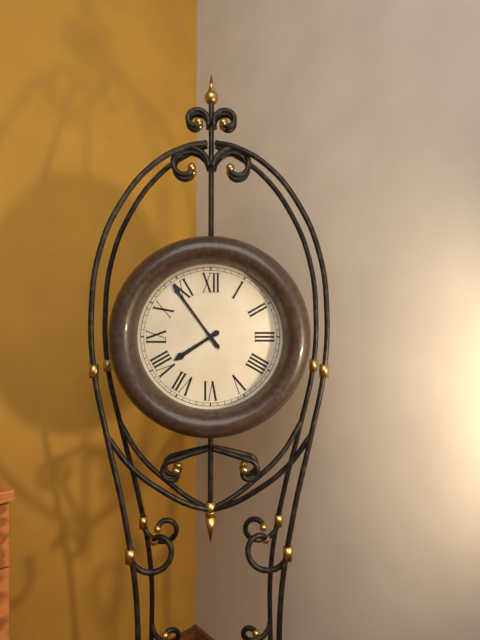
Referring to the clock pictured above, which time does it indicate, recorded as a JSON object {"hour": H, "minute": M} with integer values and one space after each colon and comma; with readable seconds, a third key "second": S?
{"hour": 7, "minute": 54}
